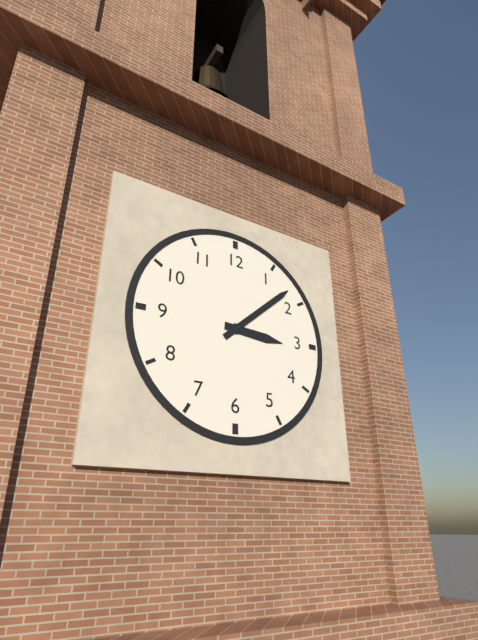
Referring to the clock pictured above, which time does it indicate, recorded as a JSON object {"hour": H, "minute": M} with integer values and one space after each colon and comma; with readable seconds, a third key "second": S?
{"hour": 3, "minute": 8}
